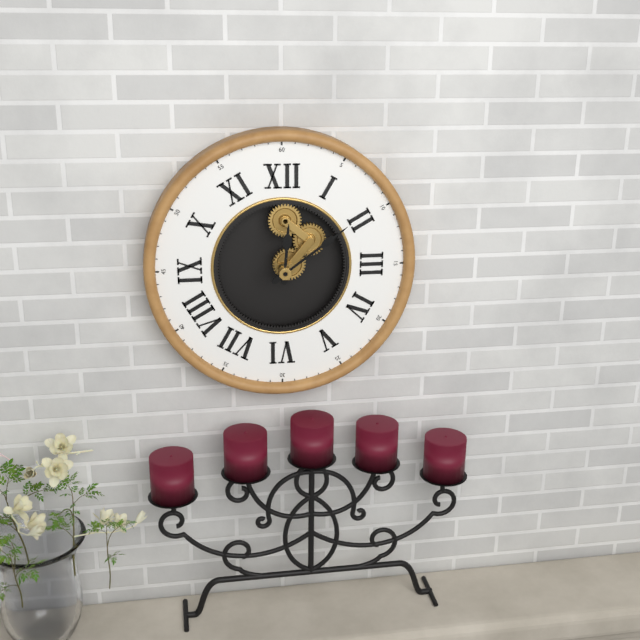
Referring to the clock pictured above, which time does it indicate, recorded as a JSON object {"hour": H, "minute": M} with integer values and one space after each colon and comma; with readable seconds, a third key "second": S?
{"hour": 12, "minute": 9}
